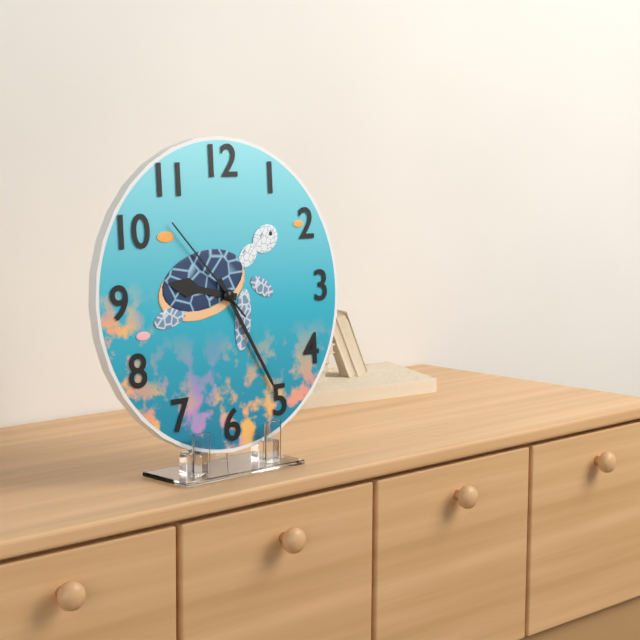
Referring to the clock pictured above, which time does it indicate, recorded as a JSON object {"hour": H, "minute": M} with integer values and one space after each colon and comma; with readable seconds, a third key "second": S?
{"hour": 9, "minute": 25, "second": 53}
